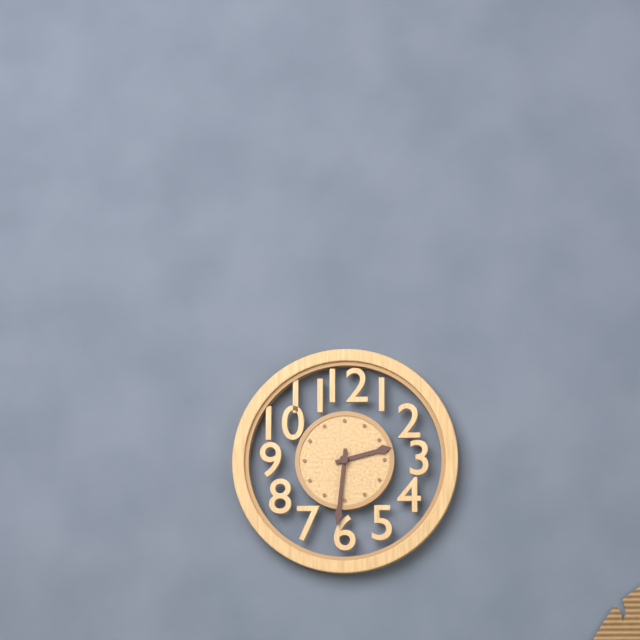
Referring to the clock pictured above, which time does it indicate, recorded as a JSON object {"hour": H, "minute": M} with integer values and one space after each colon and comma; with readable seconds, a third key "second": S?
{"hour": 2, "minute": 31}
